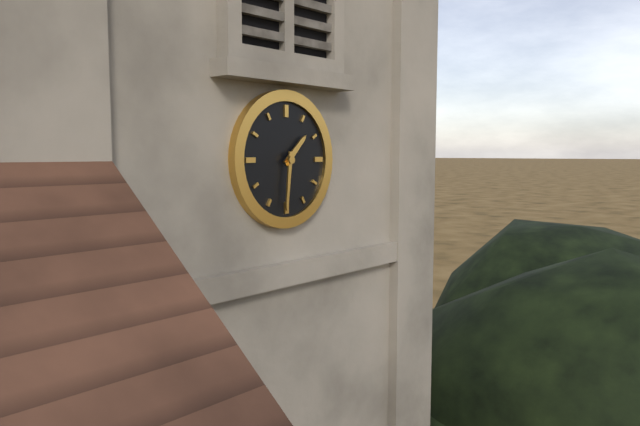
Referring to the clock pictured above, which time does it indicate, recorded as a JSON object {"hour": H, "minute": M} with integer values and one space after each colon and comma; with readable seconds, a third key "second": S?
{"hour": 1, "minute": 31}
